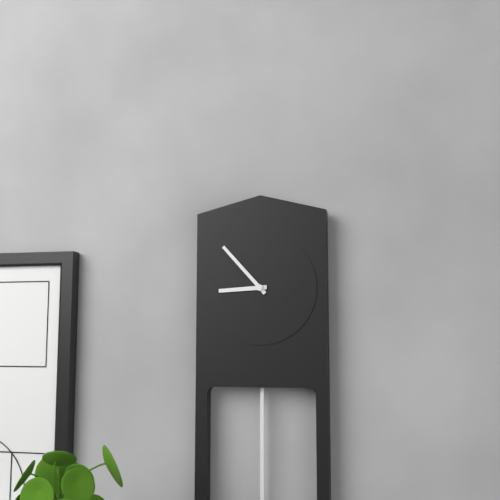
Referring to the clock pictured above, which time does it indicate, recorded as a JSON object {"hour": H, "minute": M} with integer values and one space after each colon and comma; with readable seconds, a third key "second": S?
{"hour": 8, "minute": 53}
